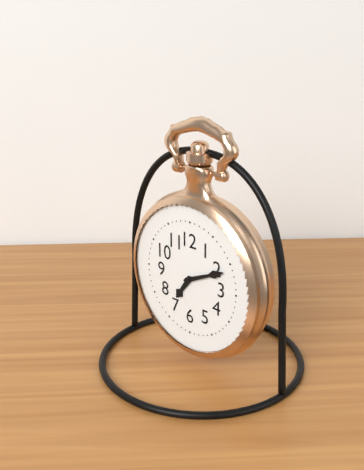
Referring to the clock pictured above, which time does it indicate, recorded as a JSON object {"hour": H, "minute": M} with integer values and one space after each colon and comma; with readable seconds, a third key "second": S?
{"hour": 7, "minute": 11}
